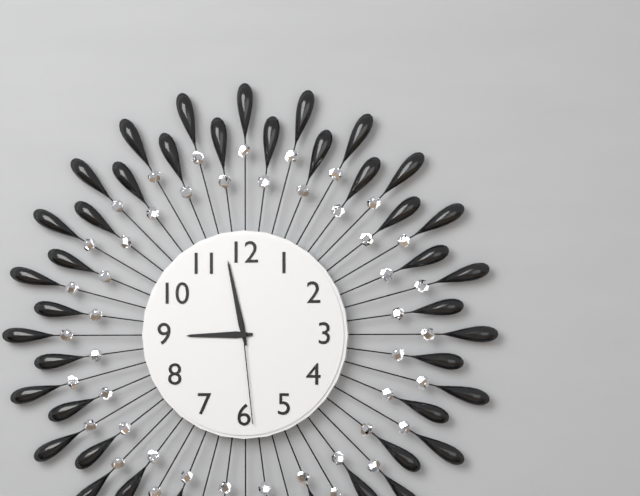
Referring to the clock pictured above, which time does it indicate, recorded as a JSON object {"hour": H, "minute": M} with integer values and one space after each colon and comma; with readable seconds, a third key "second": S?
{"hour": 8, "minute": 58, "second": 29}
